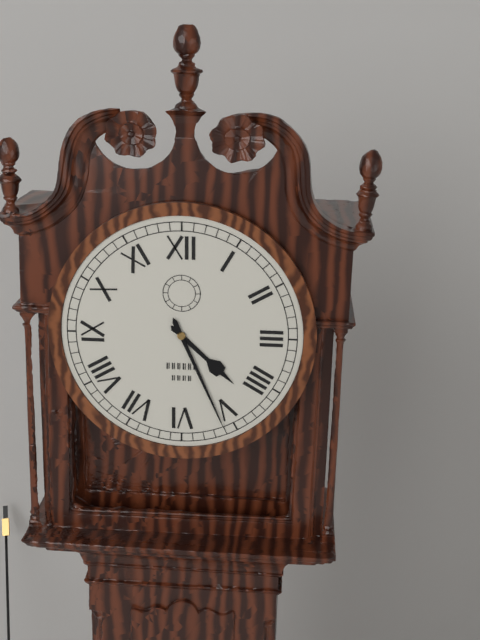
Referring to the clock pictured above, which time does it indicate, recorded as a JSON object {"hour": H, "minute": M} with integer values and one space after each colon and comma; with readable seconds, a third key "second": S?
{"hour": 4, "minute": 26}
